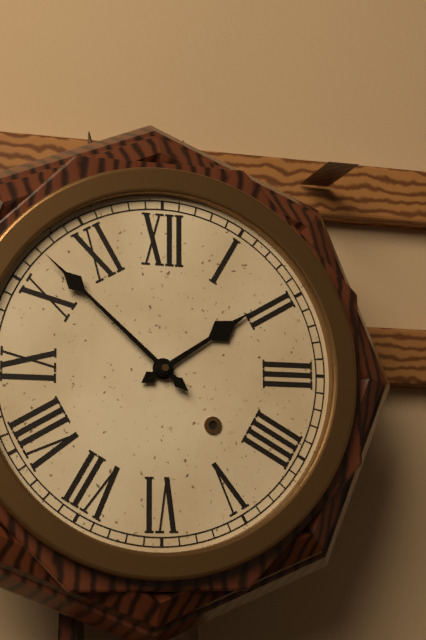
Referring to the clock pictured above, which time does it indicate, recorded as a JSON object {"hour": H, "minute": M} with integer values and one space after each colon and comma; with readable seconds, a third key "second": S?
{"hour": 1, "minute": 52}
